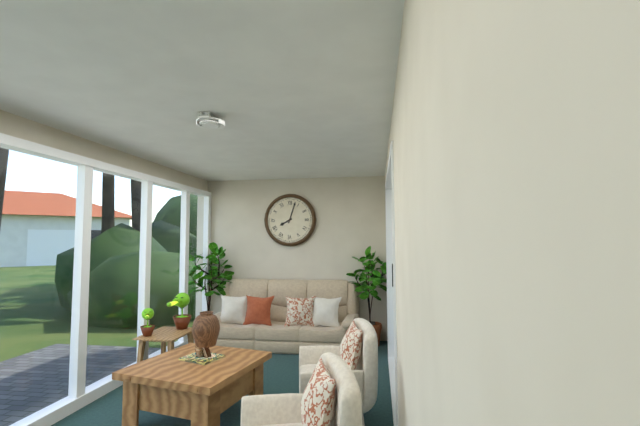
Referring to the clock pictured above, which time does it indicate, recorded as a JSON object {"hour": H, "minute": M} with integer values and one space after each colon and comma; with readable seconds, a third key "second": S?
{"hour": 8, "minute": 3}
